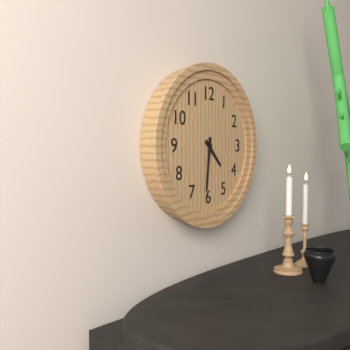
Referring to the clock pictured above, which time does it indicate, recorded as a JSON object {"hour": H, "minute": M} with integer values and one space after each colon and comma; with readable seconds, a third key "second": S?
{"hour": 4, "minute": 31}
